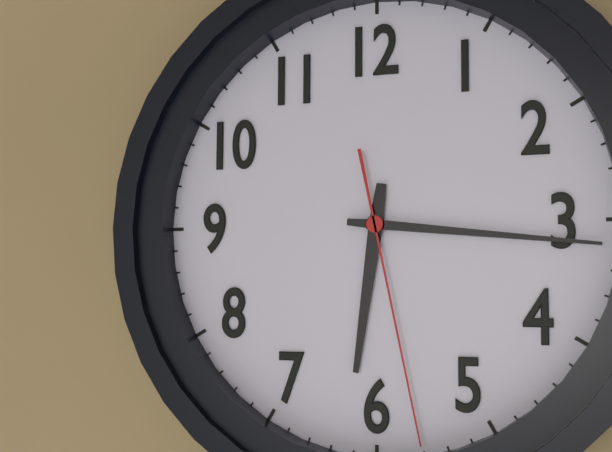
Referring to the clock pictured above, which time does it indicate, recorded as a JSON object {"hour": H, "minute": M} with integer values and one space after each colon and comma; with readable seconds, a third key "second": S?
{"hour": 6, "minute": 16, "second": 28}
